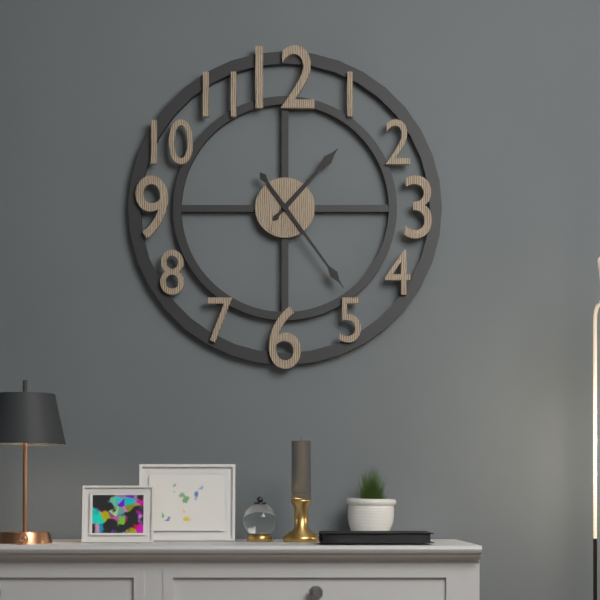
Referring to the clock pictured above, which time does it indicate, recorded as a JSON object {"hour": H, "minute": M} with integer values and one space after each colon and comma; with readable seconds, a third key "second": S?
{"hour": 1, "minute": 24}
